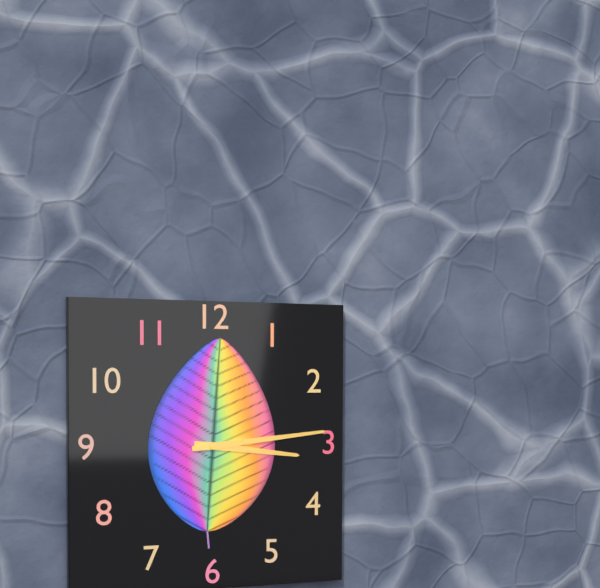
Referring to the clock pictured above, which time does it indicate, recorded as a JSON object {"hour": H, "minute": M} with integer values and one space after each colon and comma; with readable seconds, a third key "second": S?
{"hour": 3, "minute": 14}
